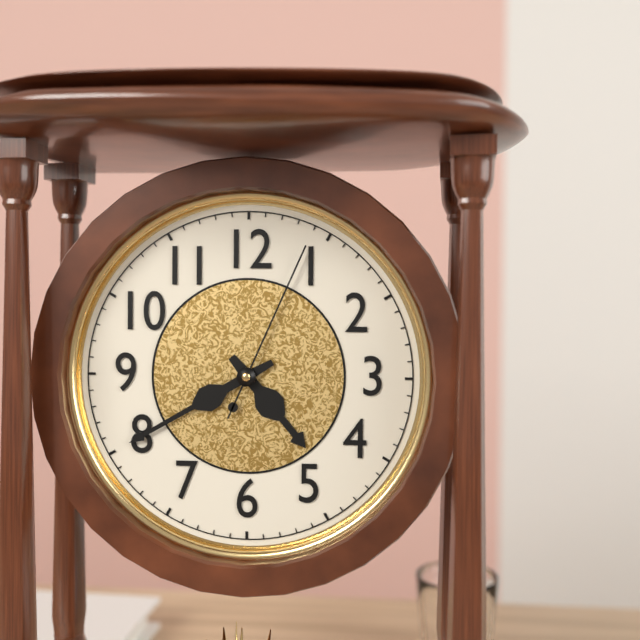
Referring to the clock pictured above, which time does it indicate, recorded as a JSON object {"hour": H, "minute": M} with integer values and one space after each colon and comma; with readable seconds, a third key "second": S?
{"hour": 4, "minute": 40, "second": 4}
